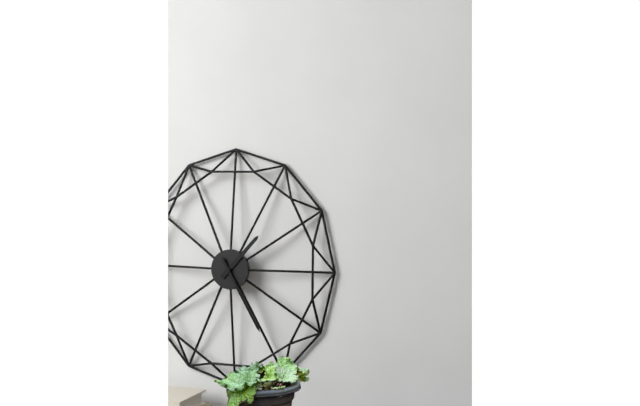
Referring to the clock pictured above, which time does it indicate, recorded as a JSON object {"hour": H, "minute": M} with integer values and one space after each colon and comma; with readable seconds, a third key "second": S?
{"hour": 1, "minute": 25}
